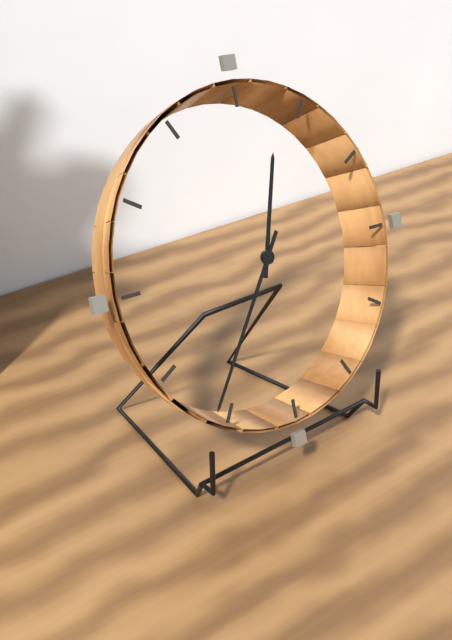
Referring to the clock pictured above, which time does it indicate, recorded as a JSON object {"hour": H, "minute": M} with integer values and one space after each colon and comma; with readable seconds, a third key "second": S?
{"hour": 12, "minute": 36}
